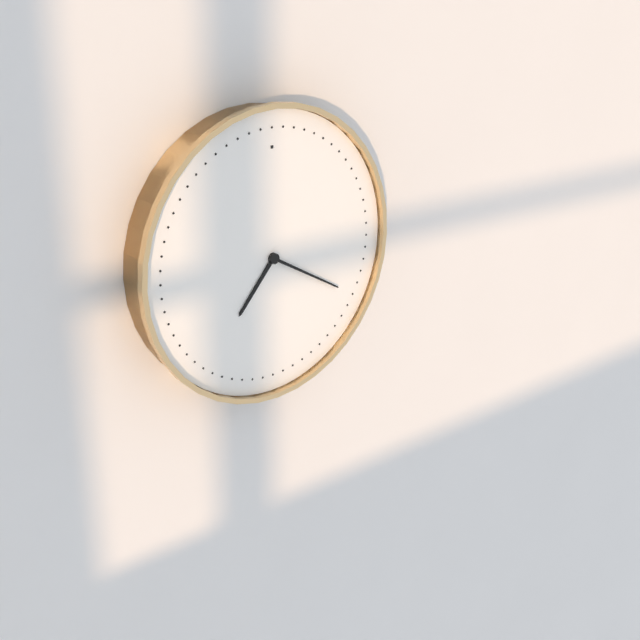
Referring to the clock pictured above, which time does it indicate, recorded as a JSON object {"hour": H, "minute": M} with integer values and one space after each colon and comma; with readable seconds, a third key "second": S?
{"hour": 7, "minute": 20}
